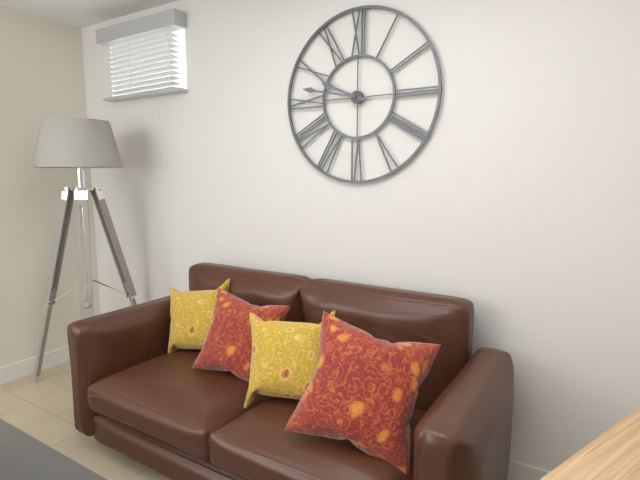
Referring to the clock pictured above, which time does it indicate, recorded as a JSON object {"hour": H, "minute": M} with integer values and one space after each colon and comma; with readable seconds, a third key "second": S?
{"hour": 9, "minute": 47}
